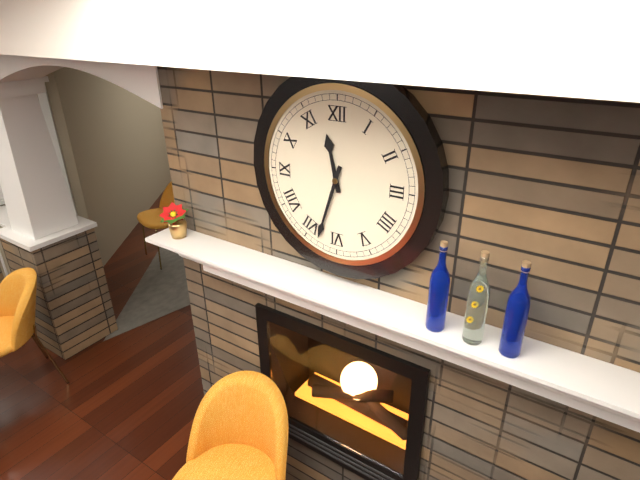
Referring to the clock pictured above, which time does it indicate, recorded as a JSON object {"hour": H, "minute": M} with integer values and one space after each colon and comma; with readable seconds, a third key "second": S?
{"hour": 11, "minute": 33}
